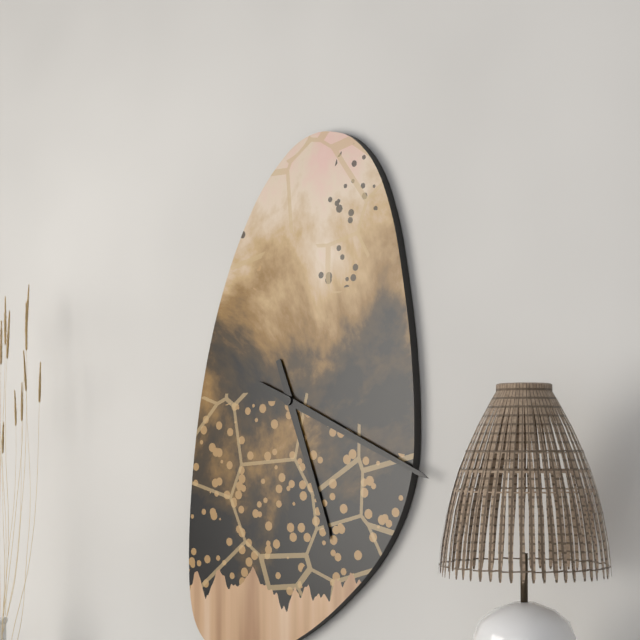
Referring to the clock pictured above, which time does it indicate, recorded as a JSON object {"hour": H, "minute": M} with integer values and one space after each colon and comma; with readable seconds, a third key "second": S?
{"hour": 5, "minute": 19}
